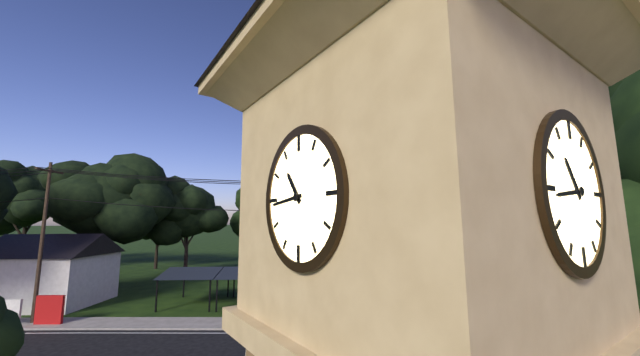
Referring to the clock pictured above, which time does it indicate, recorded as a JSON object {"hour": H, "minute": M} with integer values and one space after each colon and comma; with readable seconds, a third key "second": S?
{"hour": 10, "minute": 44}
